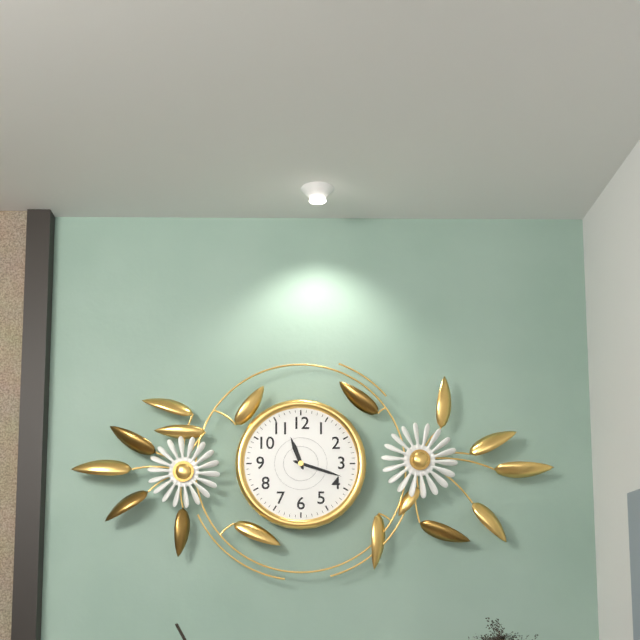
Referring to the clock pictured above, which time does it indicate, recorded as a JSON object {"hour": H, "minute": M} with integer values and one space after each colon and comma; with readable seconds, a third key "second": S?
{"hour": 11, "minute": 18}
